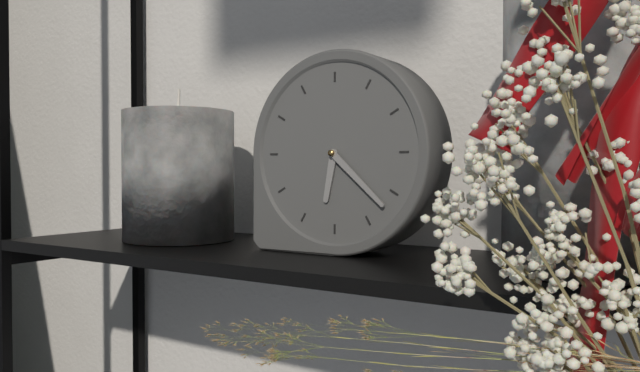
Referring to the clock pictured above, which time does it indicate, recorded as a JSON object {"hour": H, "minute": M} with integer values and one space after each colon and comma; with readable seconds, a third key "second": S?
{"hour": 6, "minute": 22}
